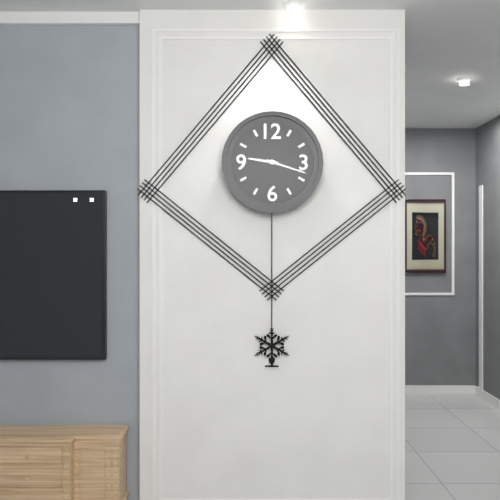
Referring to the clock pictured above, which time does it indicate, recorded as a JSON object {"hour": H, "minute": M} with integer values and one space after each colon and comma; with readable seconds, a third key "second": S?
{"hour": 9, "minute": 18}
